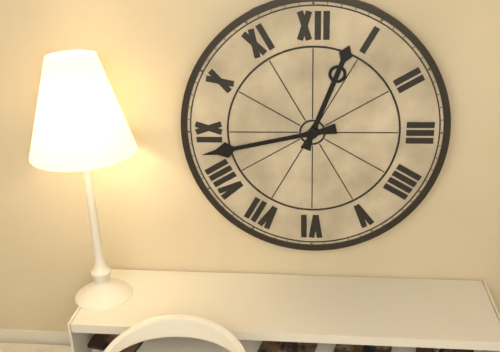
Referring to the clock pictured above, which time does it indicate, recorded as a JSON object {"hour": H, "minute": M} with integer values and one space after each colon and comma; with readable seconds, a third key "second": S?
{"hour": 12, "minute": 43}
